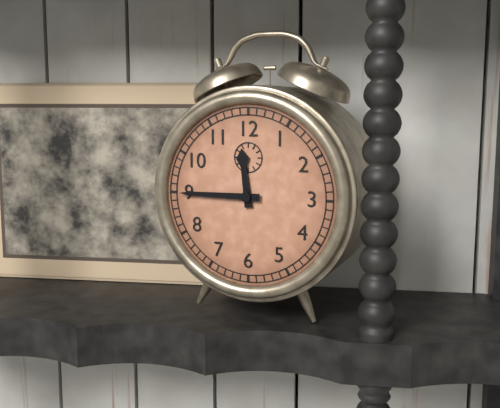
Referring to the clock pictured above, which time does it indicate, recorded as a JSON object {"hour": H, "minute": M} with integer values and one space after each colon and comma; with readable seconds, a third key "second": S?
{"hour": 11, "minute": 45}
